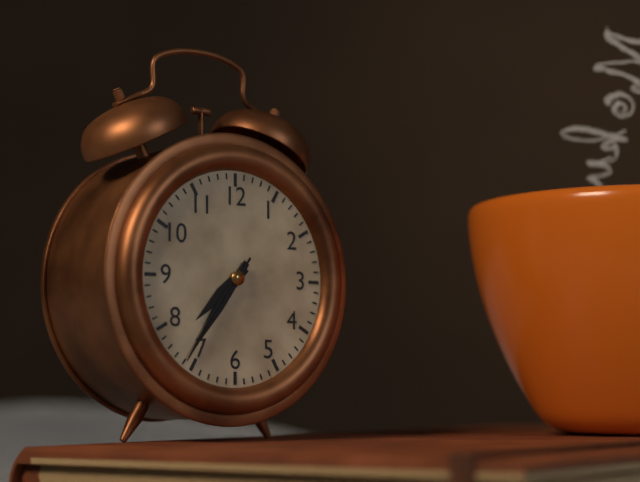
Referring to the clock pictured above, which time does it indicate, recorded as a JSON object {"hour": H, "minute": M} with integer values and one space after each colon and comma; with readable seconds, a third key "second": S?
{"hour": 7, "minute": 36, "second": 36}
